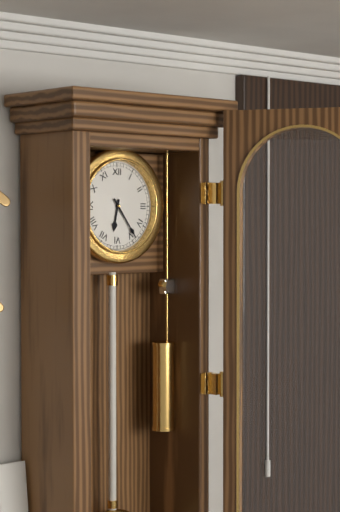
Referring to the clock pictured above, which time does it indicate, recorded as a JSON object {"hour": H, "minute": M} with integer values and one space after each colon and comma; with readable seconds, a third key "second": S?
{"hour": 6, "minute": 24}
